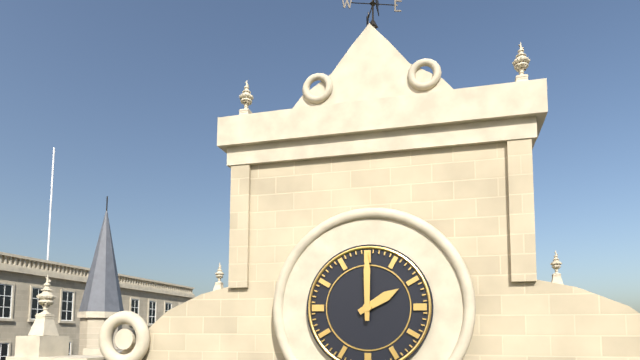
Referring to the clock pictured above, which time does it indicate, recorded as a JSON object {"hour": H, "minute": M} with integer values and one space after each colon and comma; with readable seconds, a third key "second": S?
{"hour": 2, "minute": 0}
